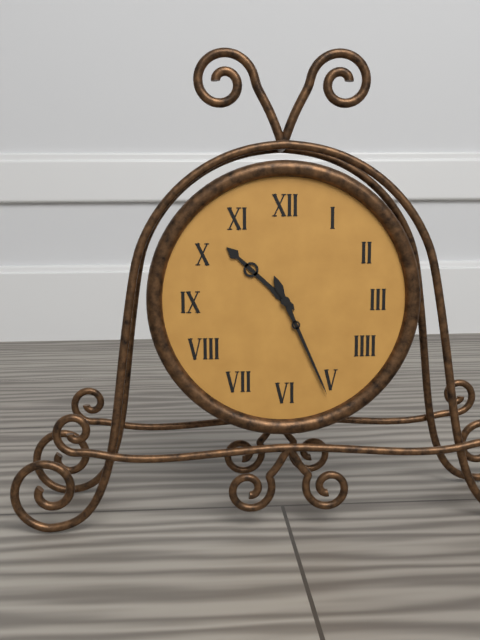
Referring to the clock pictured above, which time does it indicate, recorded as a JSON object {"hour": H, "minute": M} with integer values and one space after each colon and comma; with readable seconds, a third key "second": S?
{"hour": 10, "minute": 26}
